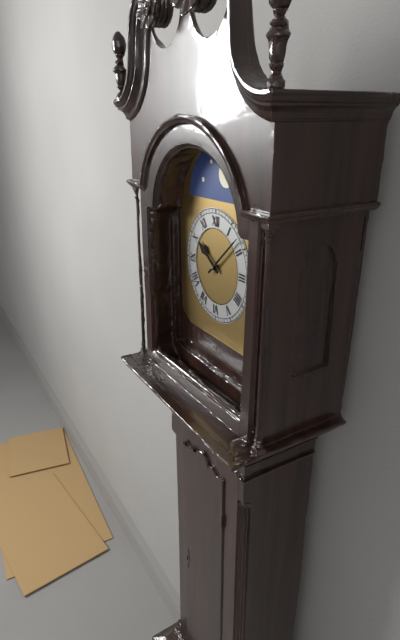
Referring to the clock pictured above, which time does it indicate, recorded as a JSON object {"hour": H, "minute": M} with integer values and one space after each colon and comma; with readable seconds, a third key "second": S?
{"hour": 10, "minute": 8}
